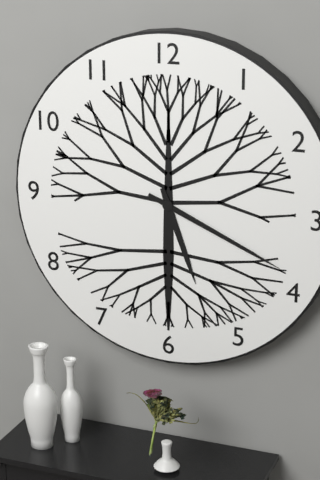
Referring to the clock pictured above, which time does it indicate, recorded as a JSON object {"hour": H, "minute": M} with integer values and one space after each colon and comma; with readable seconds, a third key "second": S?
{"hour": 5, "minute": 19}
